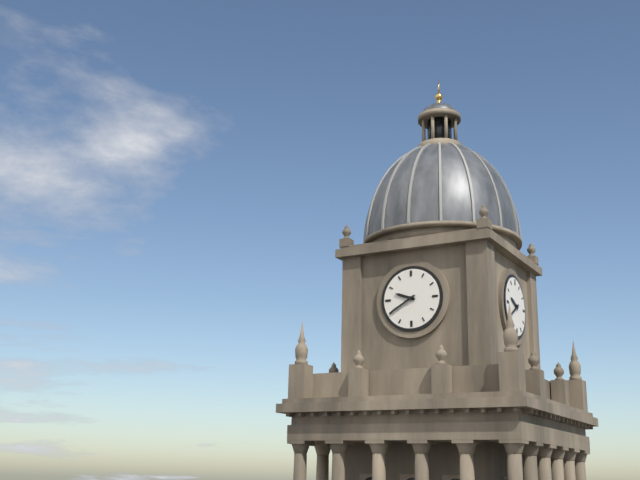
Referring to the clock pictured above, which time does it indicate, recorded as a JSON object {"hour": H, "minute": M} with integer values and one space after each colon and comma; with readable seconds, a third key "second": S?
{"hour": 9, "minute": 40}
